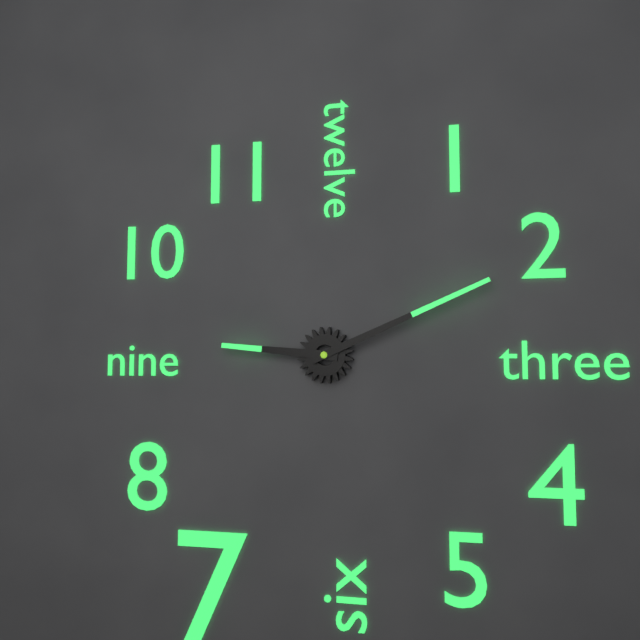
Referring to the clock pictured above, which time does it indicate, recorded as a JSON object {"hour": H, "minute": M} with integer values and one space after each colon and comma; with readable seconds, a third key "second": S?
{"hour": 9, "minute": 11}
